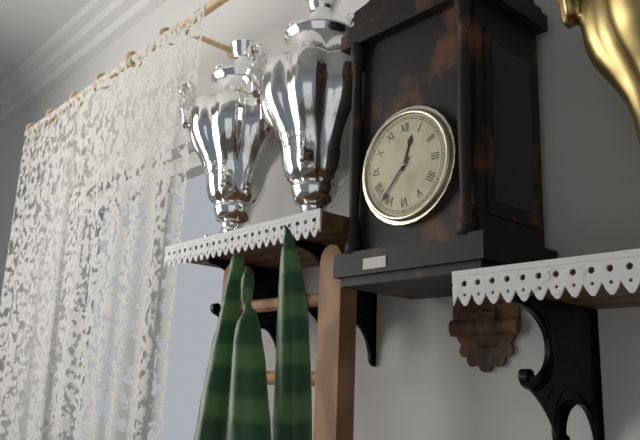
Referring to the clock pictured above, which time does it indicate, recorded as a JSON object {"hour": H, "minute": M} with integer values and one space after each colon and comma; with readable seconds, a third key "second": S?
{"hour": 12, "minute": 37}
